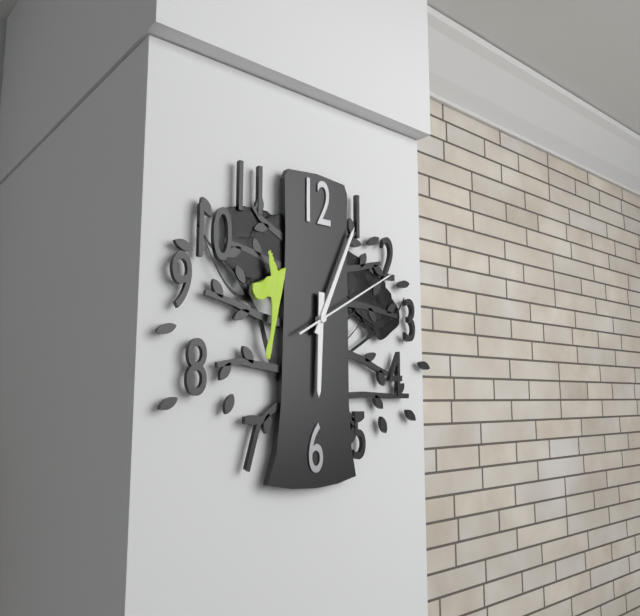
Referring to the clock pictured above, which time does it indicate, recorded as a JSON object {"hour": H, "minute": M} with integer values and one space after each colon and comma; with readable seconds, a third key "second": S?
{"hour": 6, "minute": 4, "second": 10}
